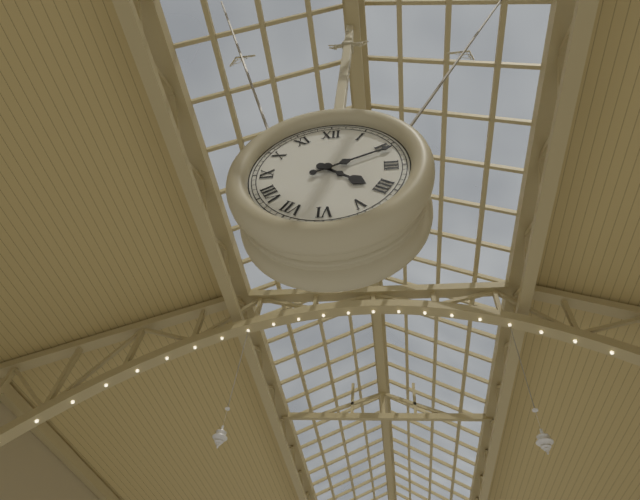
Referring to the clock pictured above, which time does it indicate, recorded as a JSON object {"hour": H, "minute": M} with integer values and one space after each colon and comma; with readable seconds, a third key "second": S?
{"hour": 4, "minute": 11}
